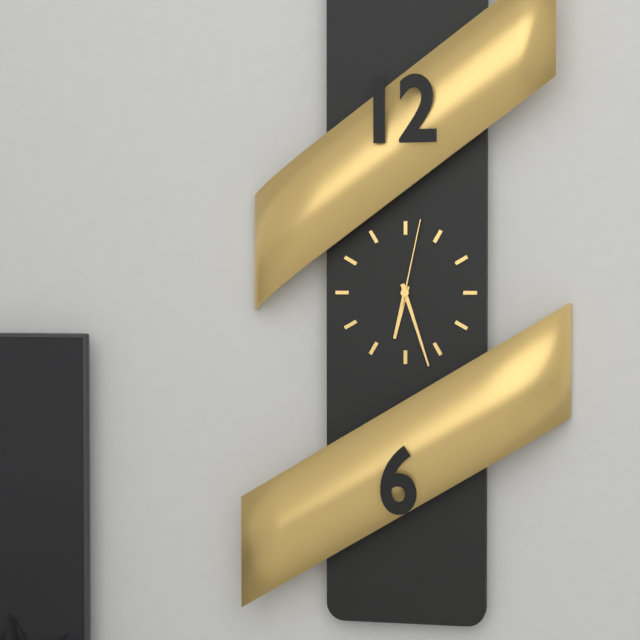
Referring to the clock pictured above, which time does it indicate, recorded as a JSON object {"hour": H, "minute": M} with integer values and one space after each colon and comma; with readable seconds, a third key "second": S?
{"hour": 6, "minute": 27, "second": 2}
